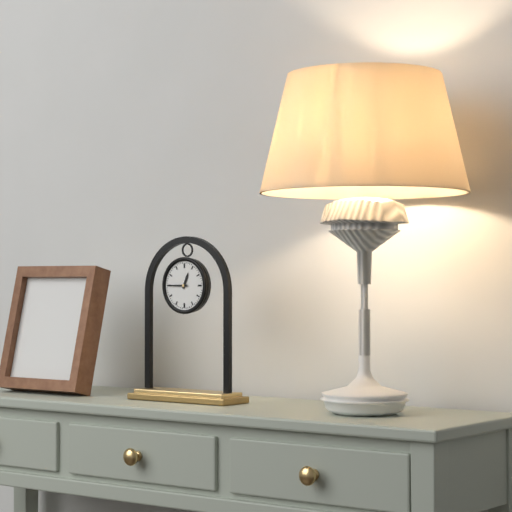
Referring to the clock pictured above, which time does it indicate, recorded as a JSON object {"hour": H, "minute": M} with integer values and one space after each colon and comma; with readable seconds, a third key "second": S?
{"hour": 12, "minute": 45}
